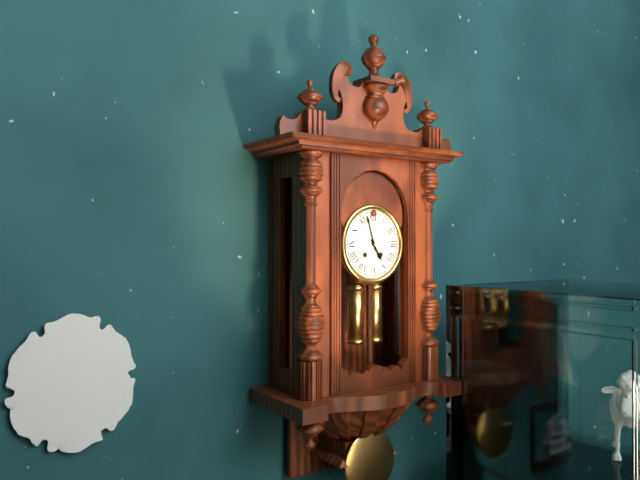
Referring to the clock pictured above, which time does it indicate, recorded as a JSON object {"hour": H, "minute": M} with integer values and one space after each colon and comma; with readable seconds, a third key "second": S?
{"hour": 4, "minute": 57}
